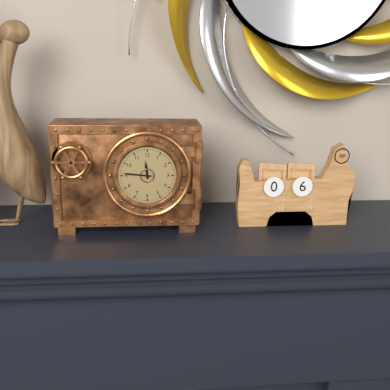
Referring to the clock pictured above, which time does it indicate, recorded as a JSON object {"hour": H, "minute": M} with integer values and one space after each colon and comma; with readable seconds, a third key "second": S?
{"hour": 11, "minute": 46}
